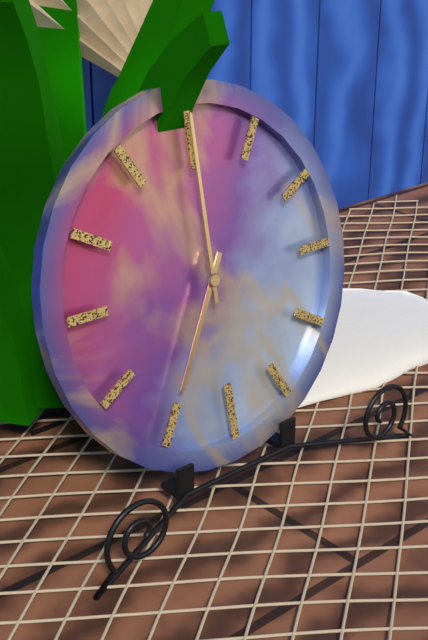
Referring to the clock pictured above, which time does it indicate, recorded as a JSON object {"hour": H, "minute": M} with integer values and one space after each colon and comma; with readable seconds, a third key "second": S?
{"hour": 7, "minute": 0}
